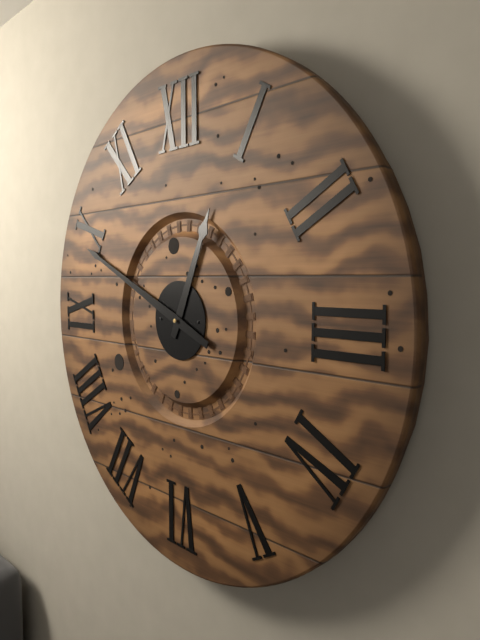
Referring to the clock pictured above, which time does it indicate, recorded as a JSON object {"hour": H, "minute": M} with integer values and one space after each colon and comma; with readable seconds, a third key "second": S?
{"hour": 12, "minute": 49}
